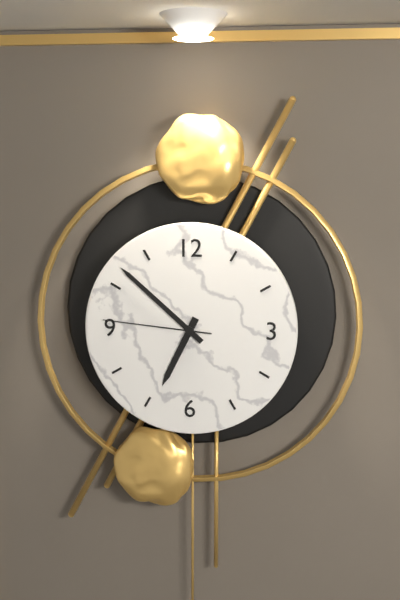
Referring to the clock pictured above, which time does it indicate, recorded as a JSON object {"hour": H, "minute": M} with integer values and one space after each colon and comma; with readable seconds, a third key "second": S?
{"hour": 6, "minute": 52, "second": 46}
